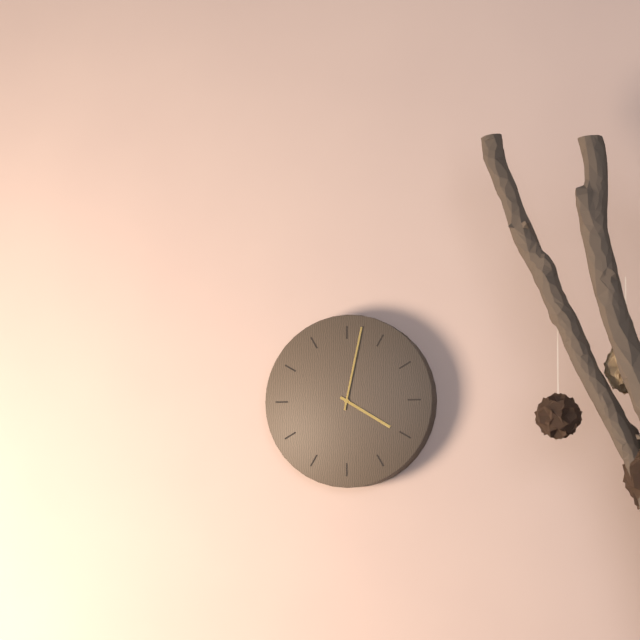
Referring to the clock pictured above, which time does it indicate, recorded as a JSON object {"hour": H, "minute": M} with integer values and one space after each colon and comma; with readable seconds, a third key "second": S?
{"hour": 4, "minute": 2}
